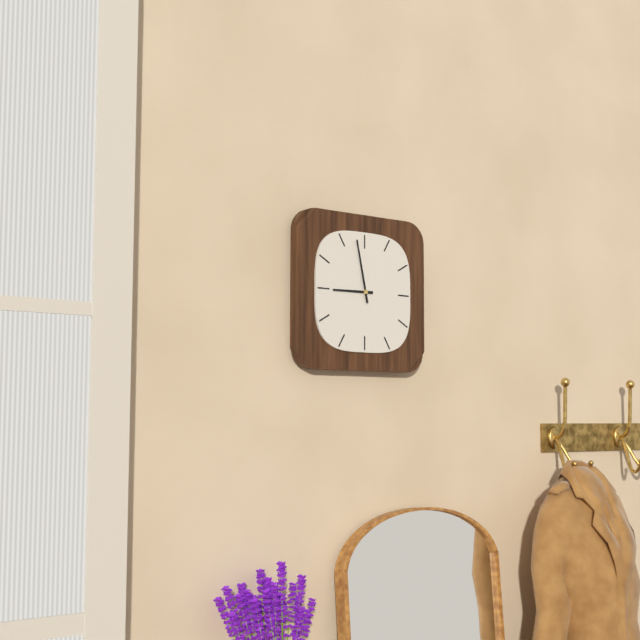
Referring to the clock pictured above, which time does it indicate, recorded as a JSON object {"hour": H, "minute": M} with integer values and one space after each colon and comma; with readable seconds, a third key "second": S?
{"hour": 8, "minute": 58}
